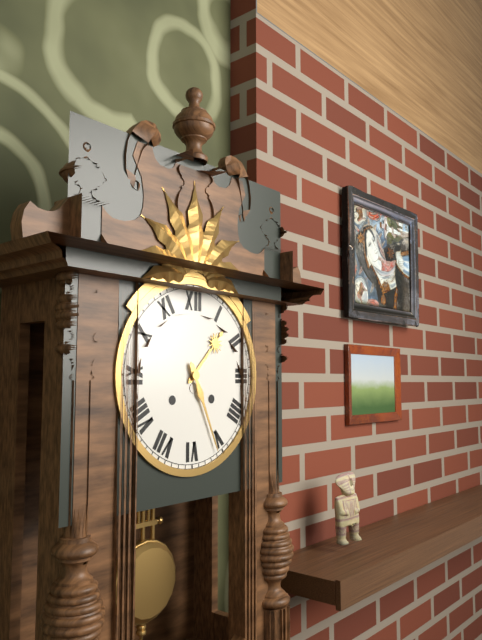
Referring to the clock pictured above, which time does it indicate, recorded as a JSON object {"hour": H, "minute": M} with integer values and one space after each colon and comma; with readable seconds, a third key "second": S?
{"hour": 1, "minute": 26}
